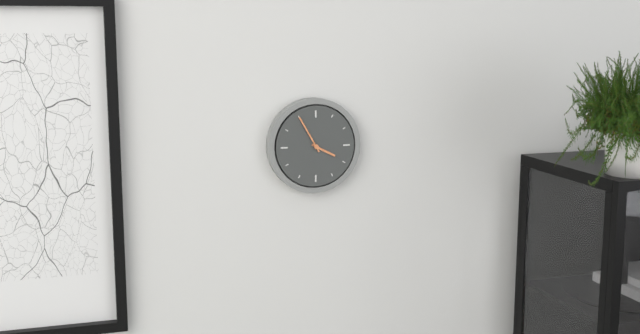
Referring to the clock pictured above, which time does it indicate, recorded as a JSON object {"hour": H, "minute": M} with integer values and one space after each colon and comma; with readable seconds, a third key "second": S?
{"hour": 3, "minute": 55}
